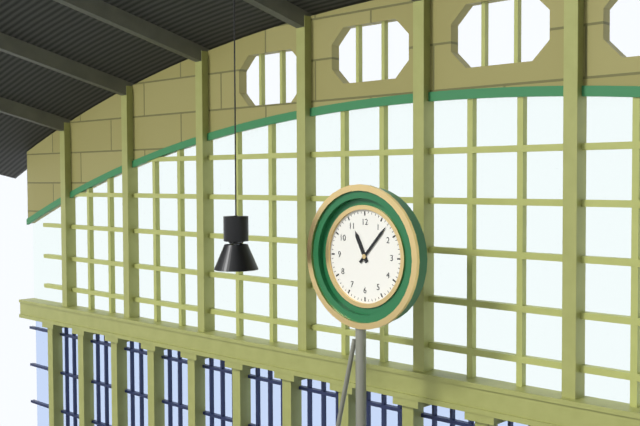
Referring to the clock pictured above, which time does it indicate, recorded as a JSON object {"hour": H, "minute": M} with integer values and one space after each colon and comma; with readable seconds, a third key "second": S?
{"hour": 11, "minute": 7}
